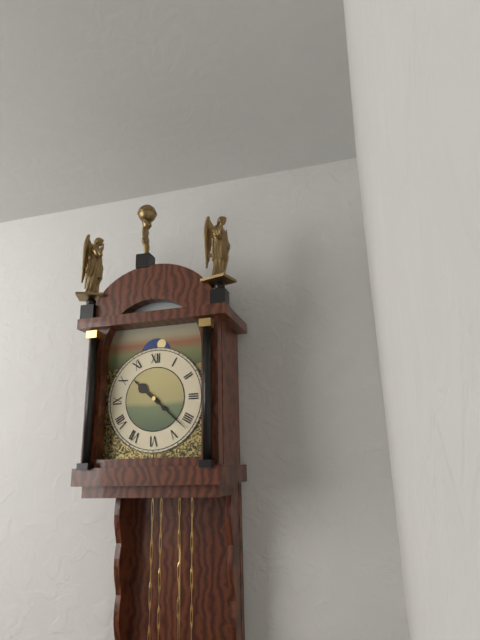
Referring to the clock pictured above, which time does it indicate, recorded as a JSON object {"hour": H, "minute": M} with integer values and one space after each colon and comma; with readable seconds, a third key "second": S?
{"hour": 10, "minute": 22}
